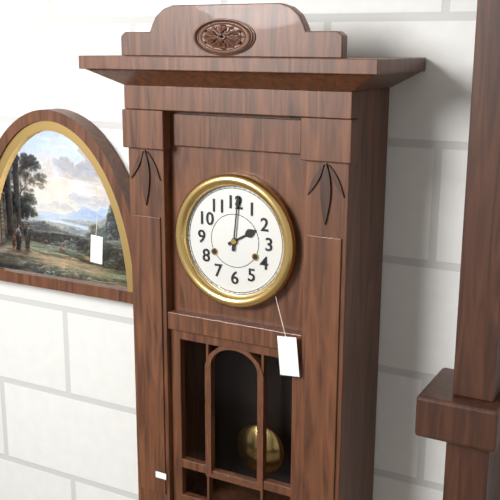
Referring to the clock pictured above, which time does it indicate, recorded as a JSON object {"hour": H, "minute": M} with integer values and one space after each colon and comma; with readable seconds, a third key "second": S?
{"hour": 2, "minute": 1}
